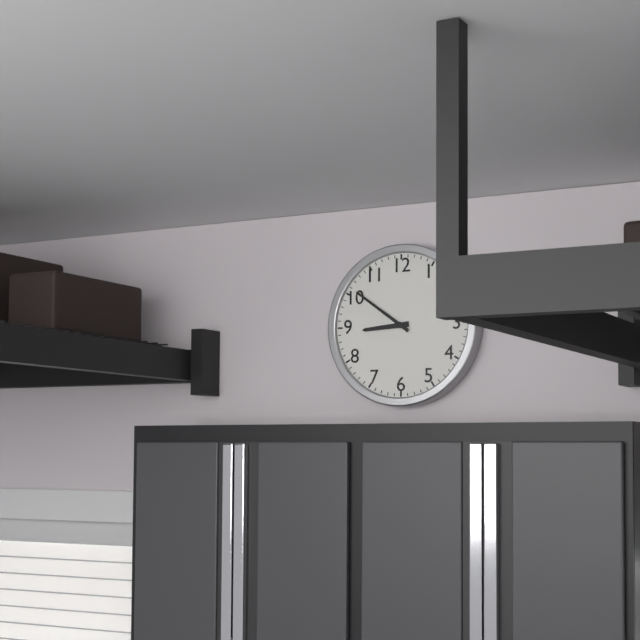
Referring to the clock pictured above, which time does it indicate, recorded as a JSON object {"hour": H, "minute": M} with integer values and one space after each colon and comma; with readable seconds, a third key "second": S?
{"hour": 8, "minute": 51}
